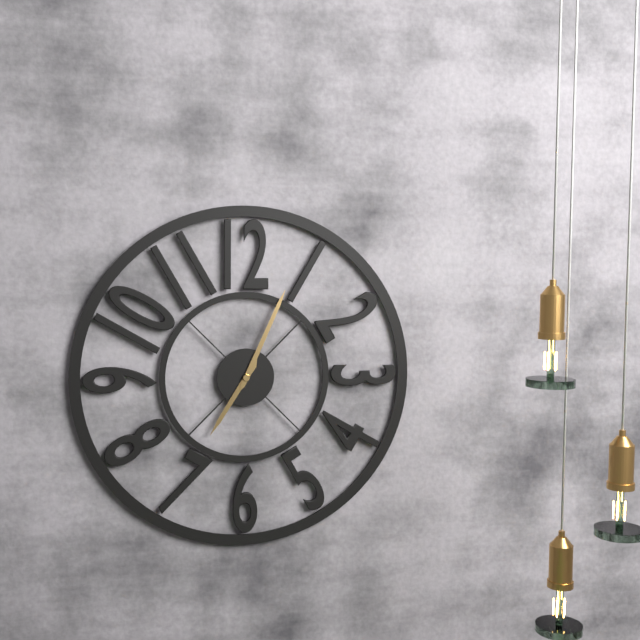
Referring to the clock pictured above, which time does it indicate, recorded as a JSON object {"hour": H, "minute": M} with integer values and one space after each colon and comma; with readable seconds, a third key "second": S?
{"hour": 7, "minute": 4}
